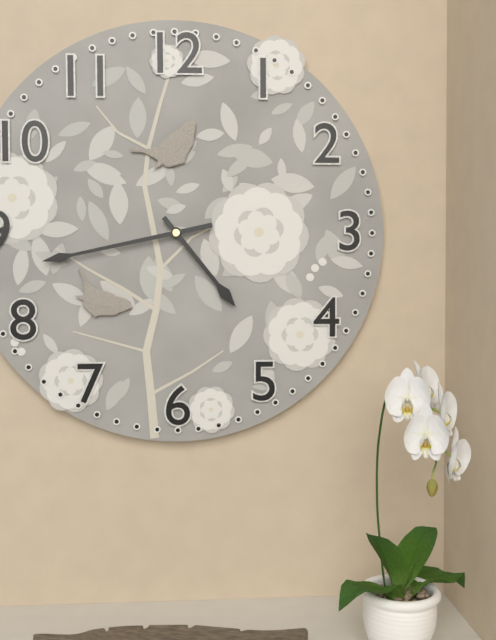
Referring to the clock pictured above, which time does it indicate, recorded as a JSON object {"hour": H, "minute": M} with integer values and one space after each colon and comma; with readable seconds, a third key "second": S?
{"hour": 4, "minute": 43}
